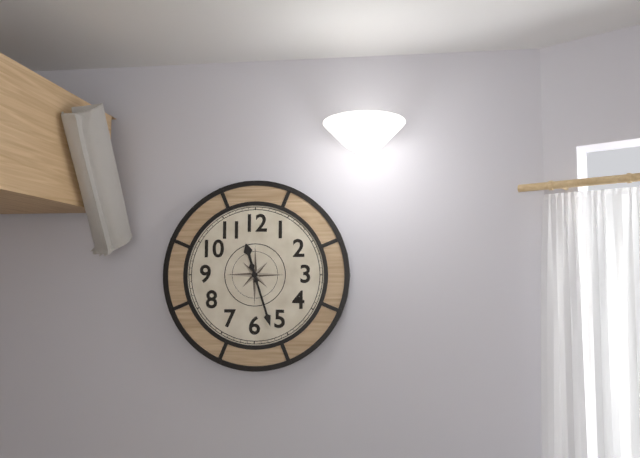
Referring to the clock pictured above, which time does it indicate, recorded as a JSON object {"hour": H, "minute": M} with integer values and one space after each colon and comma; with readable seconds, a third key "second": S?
{"hour": 11, "minute": 27}
